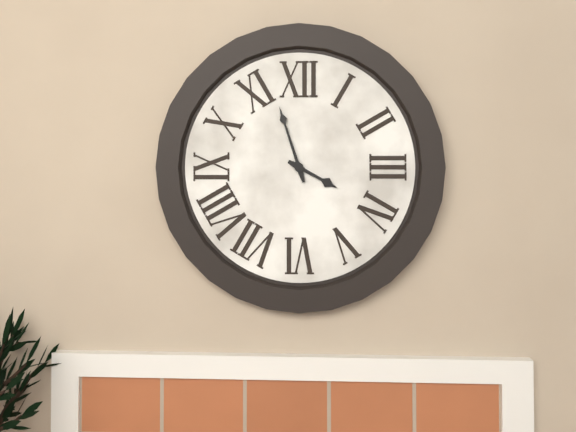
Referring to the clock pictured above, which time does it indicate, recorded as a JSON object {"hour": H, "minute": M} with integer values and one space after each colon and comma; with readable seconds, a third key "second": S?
{"hour": 3, "minute": 57}
